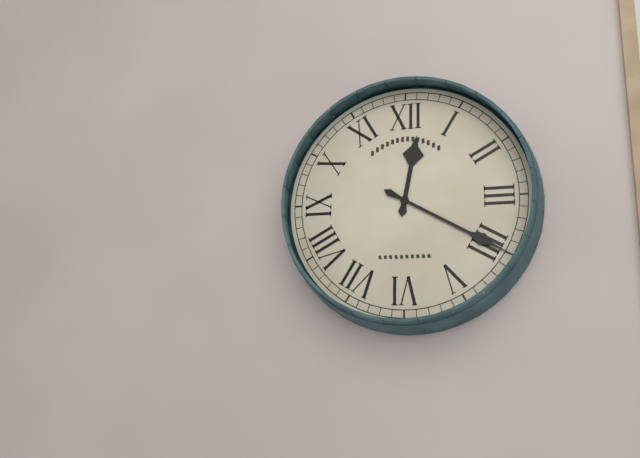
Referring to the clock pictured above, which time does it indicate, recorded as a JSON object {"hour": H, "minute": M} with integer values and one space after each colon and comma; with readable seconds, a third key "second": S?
{"hour": 12, "minute": 20}
